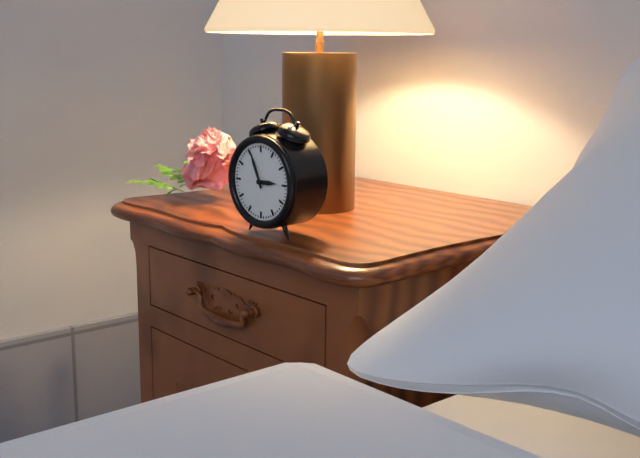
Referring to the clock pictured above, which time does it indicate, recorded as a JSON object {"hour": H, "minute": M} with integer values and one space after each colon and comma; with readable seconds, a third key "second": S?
{"hour": 2, "minute": 56}
